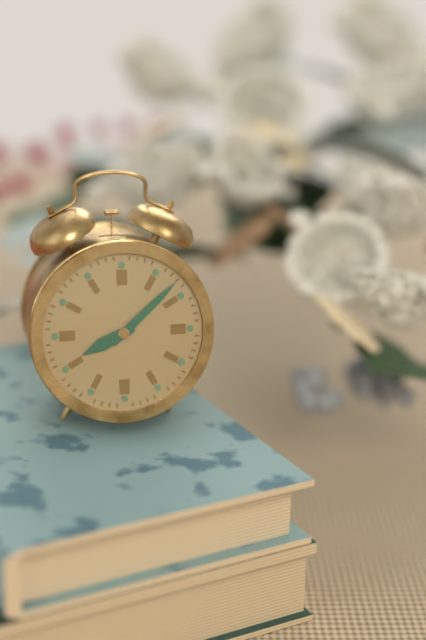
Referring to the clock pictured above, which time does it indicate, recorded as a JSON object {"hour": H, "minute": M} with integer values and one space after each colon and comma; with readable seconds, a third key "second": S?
{"hour": 8, "minute": 8}
